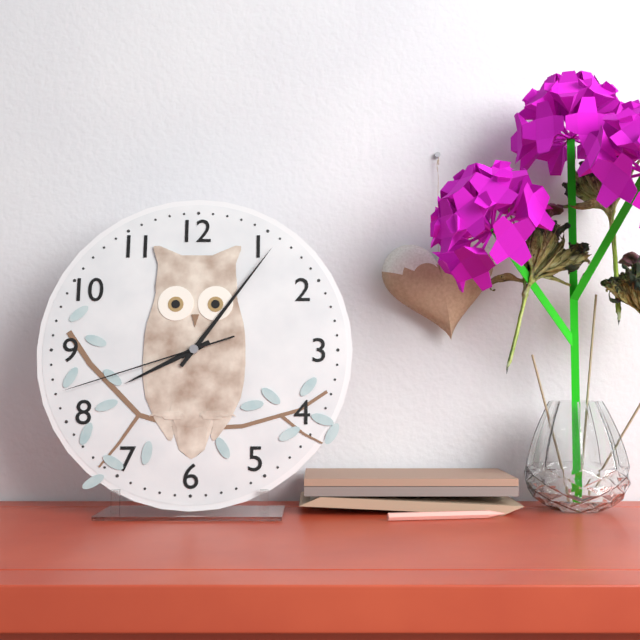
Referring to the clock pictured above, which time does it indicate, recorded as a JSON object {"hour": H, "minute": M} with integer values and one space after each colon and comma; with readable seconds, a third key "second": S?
{"hour": 8, "minute": 6, "second": 42}
